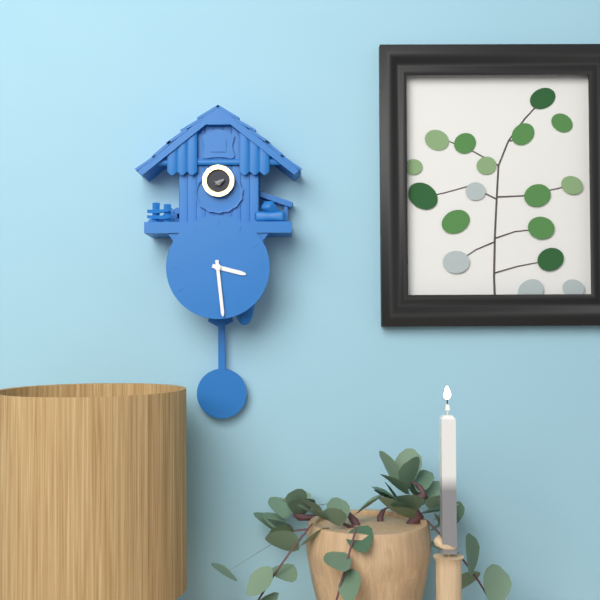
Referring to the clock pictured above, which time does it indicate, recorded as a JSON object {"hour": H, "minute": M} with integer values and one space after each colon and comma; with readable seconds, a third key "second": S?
{"hour": 3, "minute": 29}
